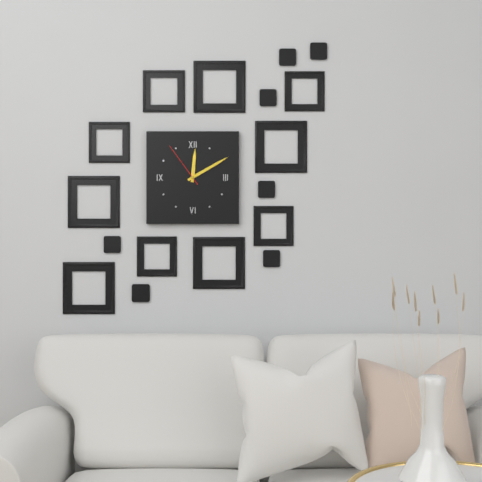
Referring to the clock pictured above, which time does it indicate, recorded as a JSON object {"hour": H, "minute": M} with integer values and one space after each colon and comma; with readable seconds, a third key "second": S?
{"hour": 12, "minute": 10}
